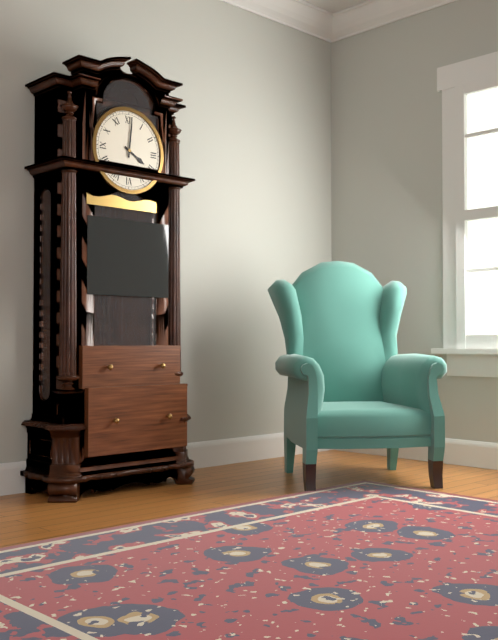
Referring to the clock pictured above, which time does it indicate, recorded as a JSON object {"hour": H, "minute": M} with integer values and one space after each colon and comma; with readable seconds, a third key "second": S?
{"hour": 4, "minute": 1}
